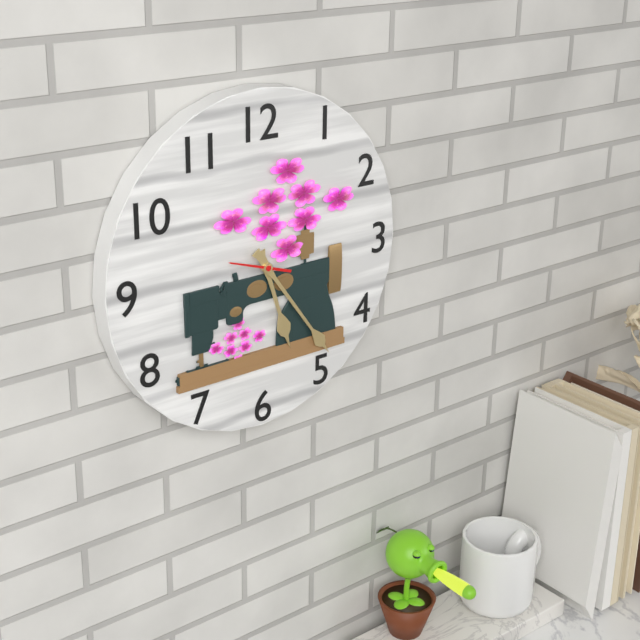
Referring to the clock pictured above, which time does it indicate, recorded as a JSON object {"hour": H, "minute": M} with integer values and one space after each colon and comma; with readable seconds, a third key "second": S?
{"hour": 5, "minute": 24}
